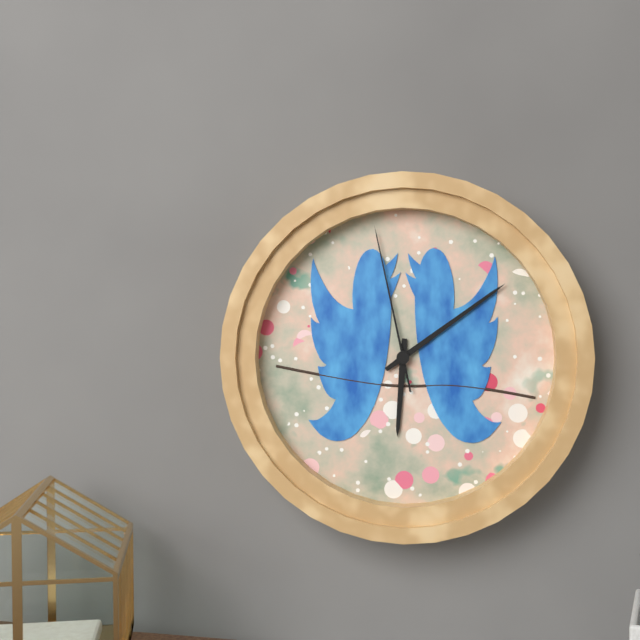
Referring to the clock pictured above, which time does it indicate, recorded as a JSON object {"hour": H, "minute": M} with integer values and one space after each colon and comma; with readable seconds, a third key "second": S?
{"hour": 6, "minute": 9, "second": 58}
